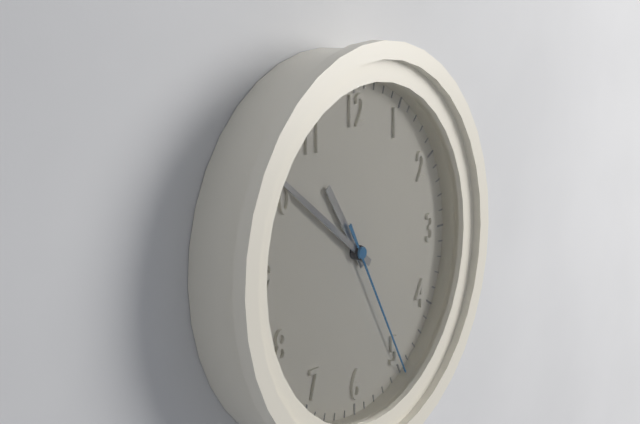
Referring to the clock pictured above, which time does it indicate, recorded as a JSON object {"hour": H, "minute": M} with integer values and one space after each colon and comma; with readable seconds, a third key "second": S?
{"hour": 10, "minute": 51, "second": 25}
